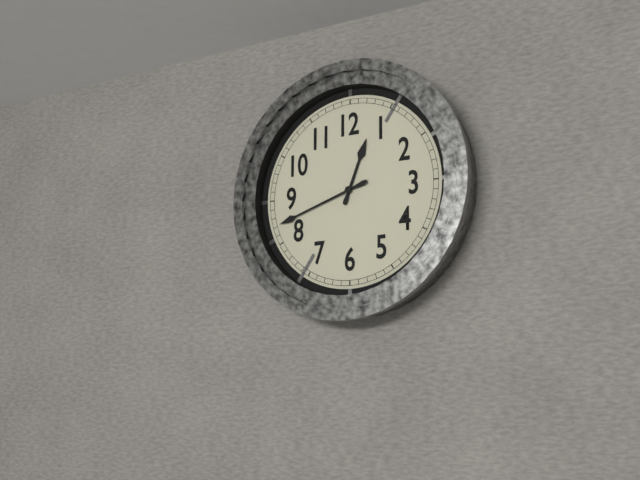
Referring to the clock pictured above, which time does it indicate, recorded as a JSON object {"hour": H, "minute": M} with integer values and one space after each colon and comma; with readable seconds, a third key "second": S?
{"hour": 12, "minute": 42}
